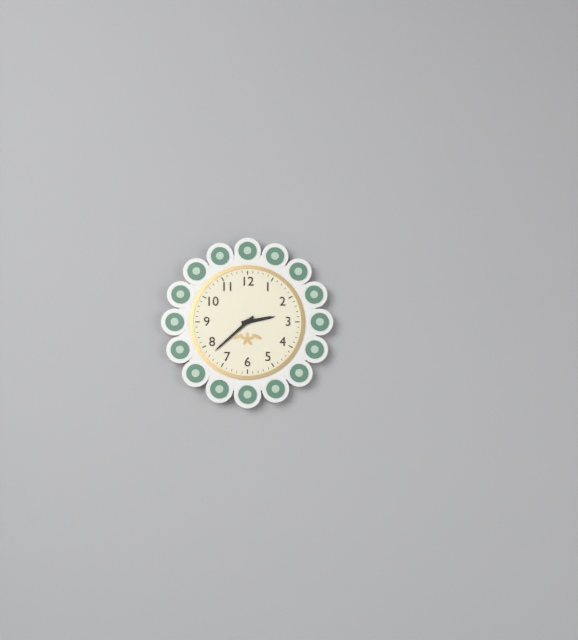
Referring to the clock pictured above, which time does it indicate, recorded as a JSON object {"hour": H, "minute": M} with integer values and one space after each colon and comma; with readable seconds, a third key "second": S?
{"hour": 2, "minute": 38}
